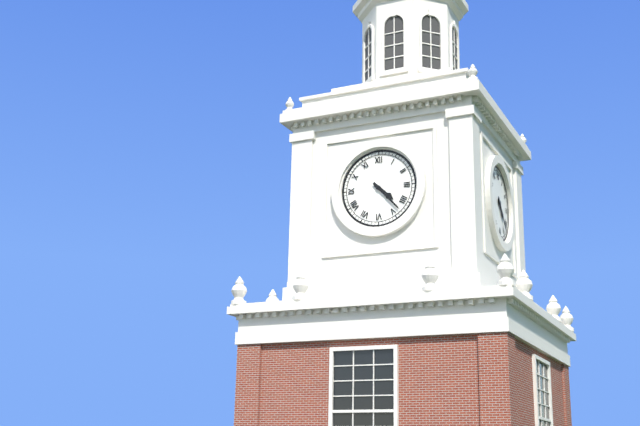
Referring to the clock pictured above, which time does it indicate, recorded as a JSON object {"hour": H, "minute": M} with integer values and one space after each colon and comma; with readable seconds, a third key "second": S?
{"hour": 4, "minute": 23}
